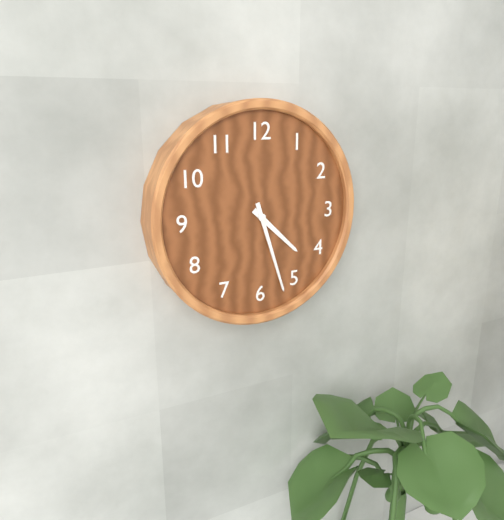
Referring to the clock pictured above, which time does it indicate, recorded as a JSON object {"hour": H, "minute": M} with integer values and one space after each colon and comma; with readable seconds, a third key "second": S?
{"hour": 4, "minute": 27}
